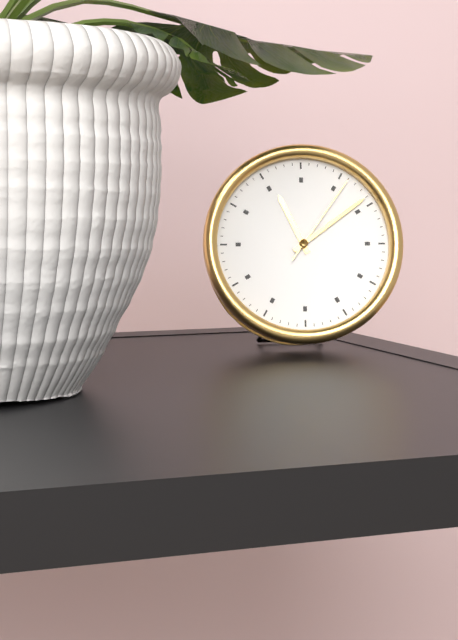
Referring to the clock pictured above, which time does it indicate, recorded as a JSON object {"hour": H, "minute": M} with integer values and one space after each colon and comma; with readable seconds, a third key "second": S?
{"hour": 11, "minute": 9, "second": 6}
